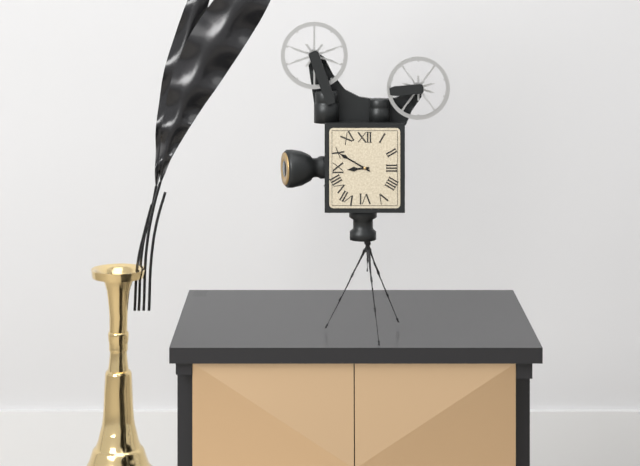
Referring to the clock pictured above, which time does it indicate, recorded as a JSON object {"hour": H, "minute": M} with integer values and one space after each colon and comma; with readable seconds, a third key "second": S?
{"hour": 8, "minute": 50}
